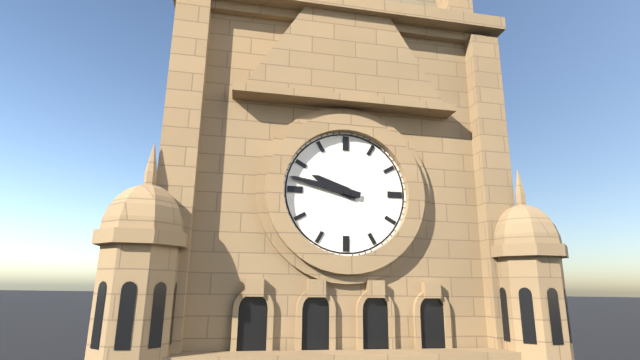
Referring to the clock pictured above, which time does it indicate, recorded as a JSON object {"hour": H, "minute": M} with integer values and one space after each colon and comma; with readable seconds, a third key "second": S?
{"hour": 9, "minute": 47}
